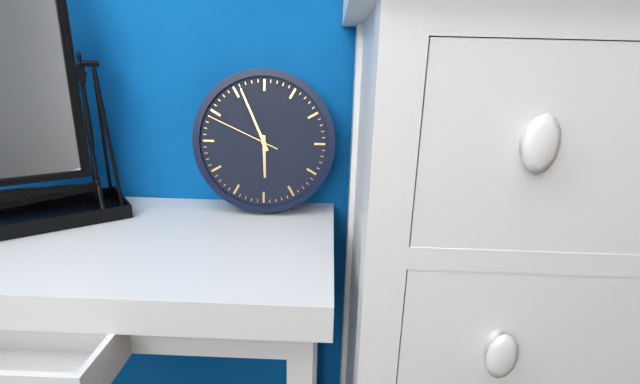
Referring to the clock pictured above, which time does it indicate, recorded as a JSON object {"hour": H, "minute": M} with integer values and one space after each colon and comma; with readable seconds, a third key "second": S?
{"hour": 5, "minute": 56, "second": 49}
